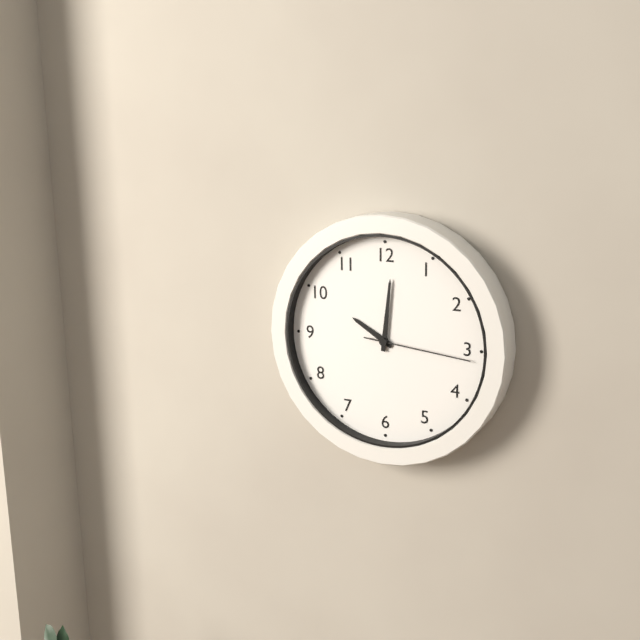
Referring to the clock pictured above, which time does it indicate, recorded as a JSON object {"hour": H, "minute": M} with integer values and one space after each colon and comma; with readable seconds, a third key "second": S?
{"hour": 10, "minute": 1, "second": 16}
